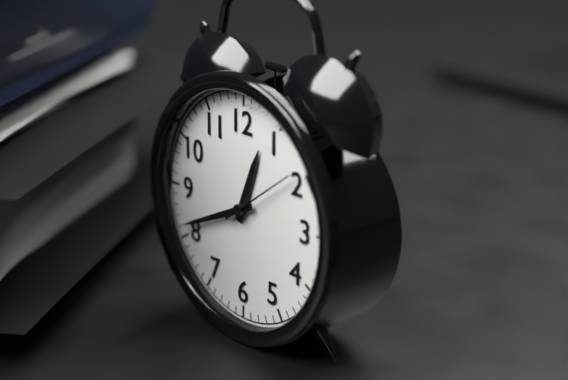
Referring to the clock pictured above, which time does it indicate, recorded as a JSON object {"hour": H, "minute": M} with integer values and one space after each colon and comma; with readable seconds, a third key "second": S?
{"hour": 12, "minute": 41, "second": 9}
